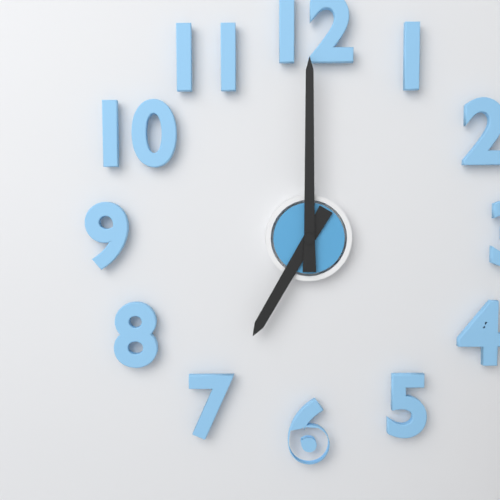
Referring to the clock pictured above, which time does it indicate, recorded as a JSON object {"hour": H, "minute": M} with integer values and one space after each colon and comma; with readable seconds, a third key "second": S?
{"hour": 7, "minute": 0}
